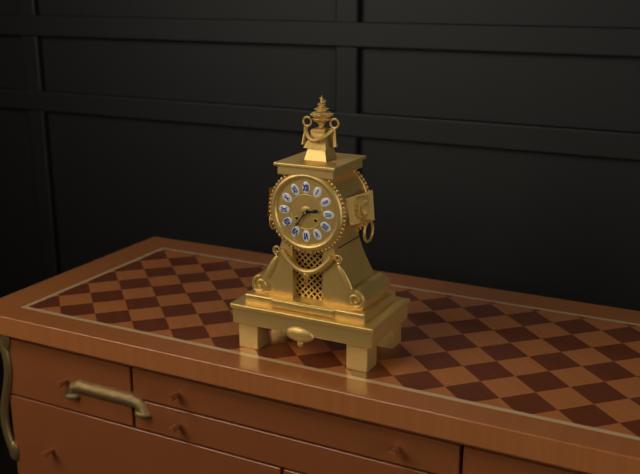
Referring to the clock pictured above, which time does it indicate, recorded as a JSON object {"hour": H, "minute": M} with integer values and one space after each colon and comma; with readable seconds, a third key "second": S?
{"hour": 2, "minute": 36}
